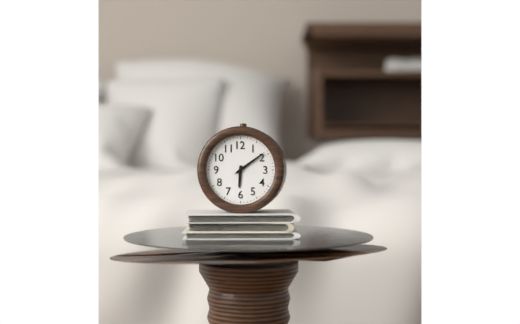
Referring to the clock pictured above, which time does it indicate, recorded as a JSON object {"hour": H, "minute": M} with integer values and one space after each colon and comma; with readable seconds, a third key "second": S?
{"hour": 6, "minute": 9}
